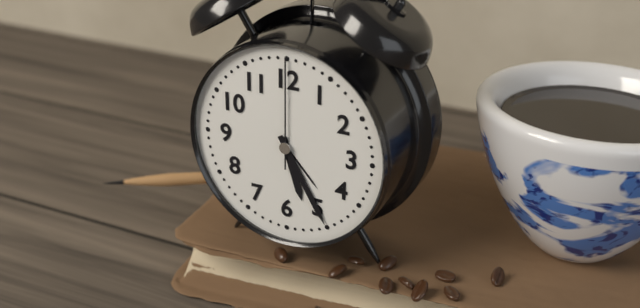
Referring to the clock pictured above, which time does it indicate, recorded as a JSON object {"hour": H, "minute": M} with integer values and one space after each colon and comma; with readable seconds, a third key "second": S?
{"hour": 5, "minute": 25, "second": 0}
